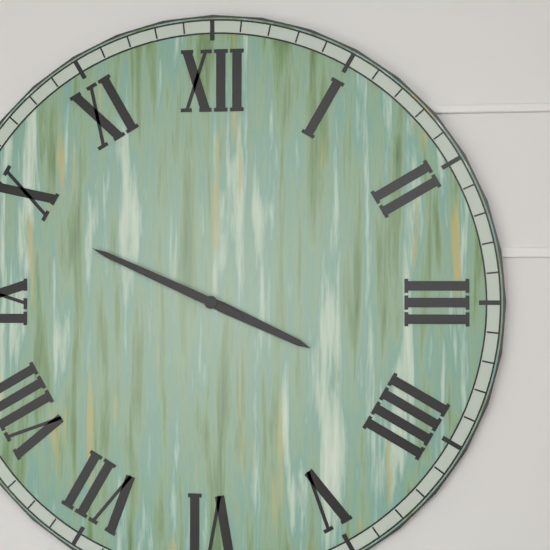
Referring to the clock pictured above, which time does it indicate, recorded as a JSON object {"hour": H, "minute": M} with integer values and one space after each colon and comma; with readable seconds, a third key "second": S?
{"hour": 3, "minute": 49}
